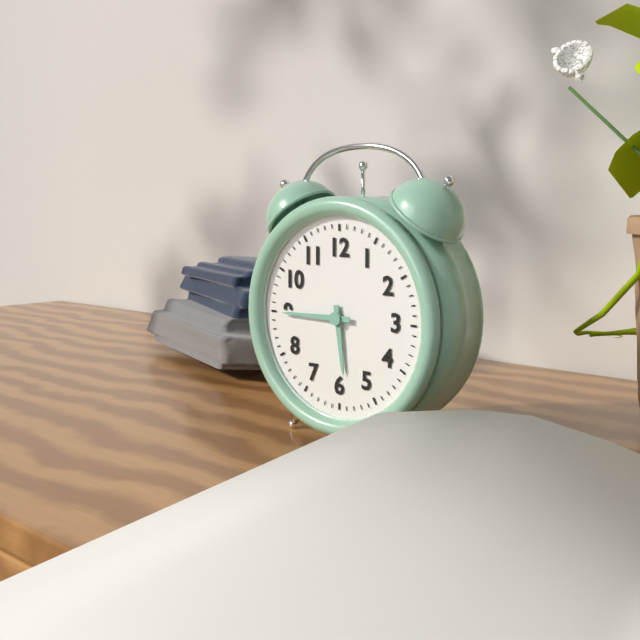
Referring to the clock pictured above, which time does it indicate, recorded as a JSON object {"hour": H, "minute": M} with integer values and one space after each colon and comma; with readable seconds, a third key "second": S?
{"hour": 5, "minute": 45}
